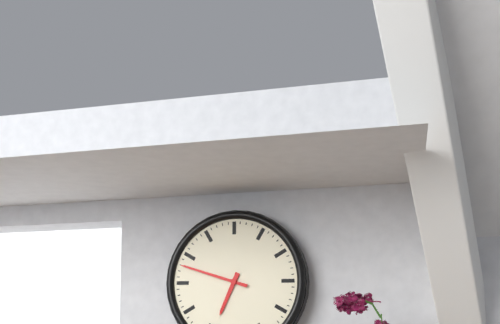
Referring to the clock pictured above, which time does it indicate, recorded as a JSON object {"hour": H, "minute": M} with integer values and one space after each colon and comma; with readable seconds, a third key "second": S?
{"hour": 6, "minute": 48}
